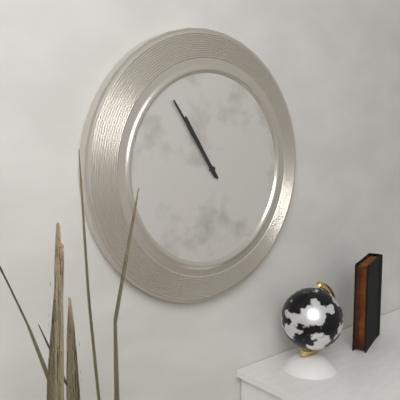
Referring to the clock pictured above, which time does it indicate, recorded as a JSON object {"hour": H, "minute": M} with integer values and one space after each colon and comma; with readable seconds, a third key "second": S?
{"hour": 10, "minute": 54}
